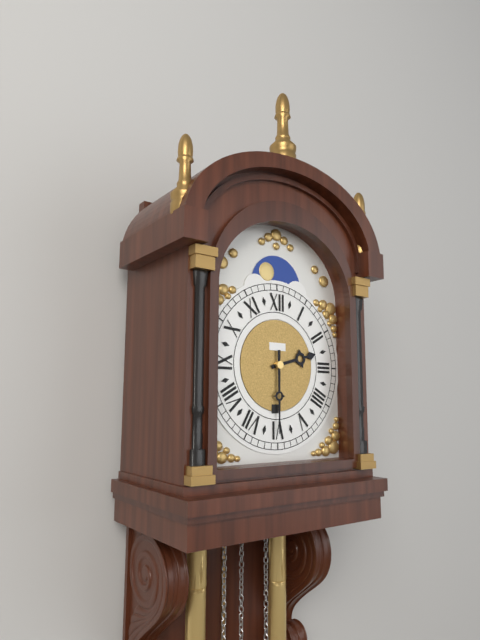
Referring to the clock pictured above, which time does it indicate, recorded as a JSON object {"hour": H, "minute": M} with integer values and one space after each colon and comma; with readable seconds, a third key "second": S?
{"hour": 2, "minute": 30}
